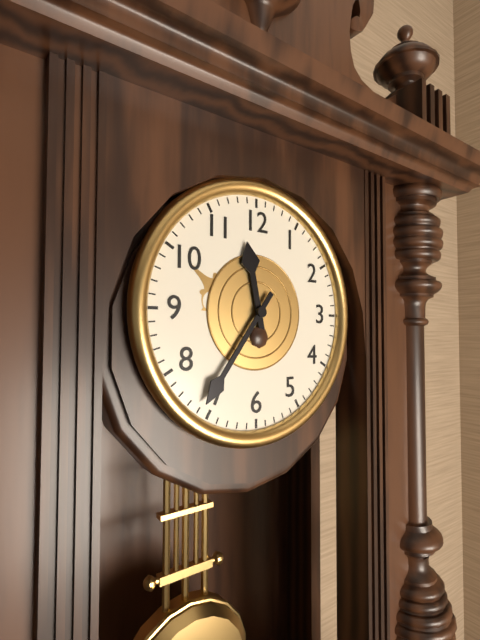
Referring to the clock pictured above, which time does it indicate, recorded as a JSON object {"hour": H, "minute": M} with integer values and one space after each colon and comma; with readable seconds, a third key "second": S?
{"hour": 11, "minute": 36}
